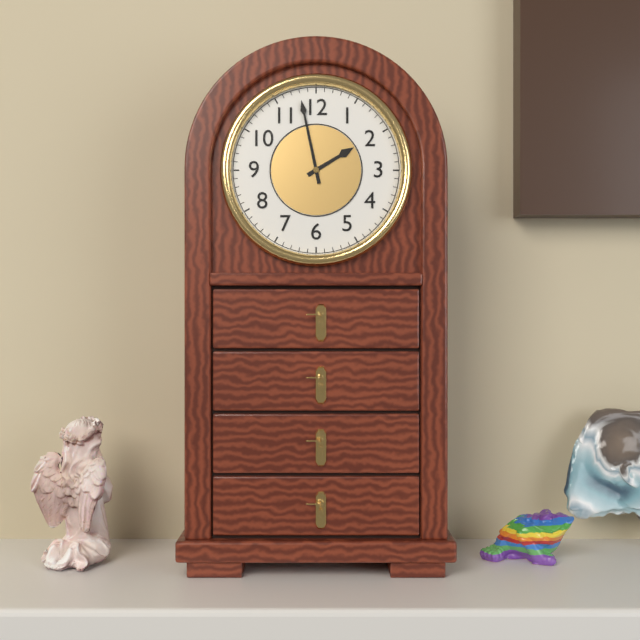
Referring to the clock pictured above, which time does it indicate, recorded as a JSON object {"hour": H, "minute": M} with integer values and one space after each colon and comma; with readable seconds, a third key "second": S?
{"hour": 1, "minute": 58}
